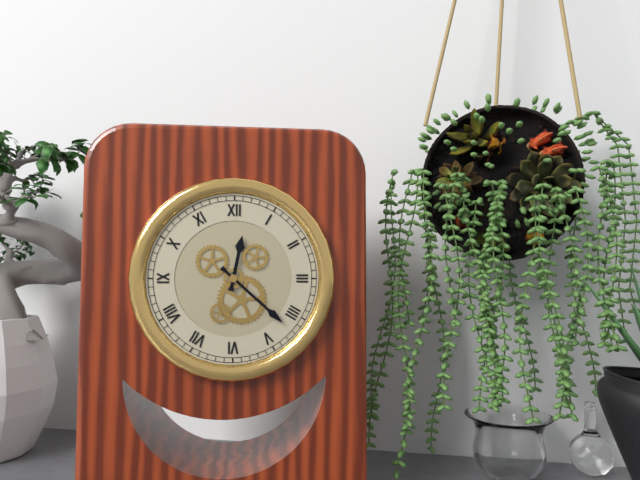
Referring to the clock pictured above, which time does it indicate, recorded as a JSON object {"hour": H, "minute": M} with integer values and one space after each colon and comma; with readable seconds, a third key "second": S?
{"hour": 12, "minute": 22}
